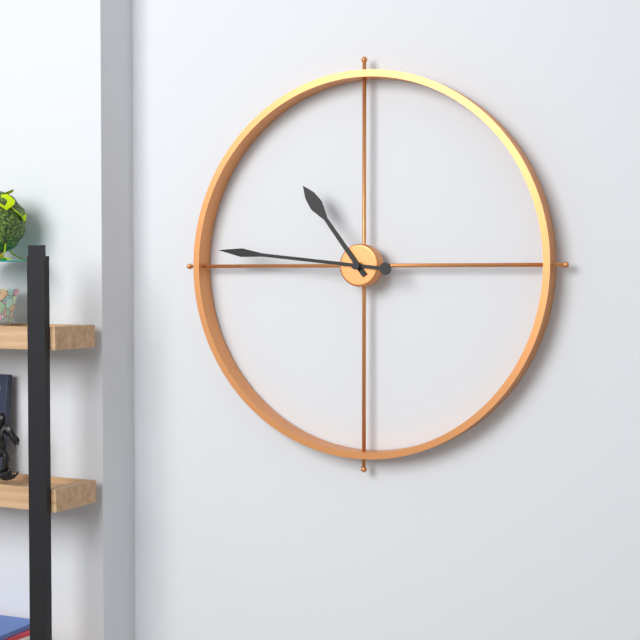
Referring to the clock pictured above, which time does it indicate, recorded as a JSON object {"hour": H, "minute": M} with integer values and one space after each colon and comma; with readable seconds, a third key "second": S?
{"hour": 10, "minute": 46}
